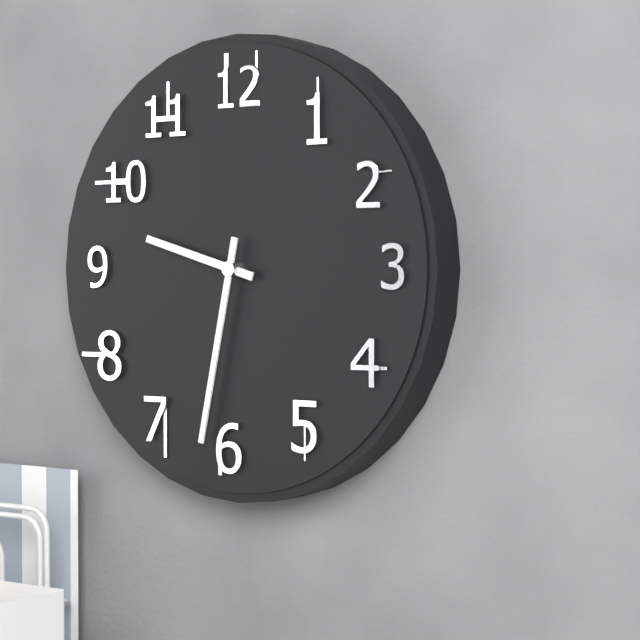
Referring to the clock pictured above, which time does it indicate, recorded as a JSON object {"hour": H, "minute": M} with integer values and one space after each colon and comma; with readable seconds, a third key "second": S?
{"hour": 9, "minute": 32}
